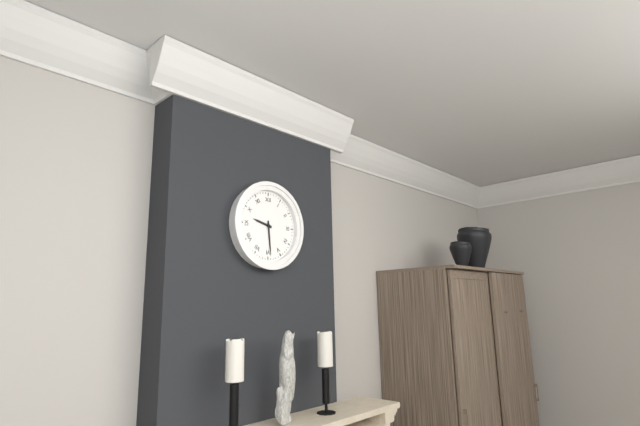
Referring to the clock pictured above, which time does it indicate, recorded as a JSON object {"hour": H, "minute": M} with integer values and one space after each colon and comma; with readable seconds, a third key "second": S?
{"hour": 9, "minute": 29}
